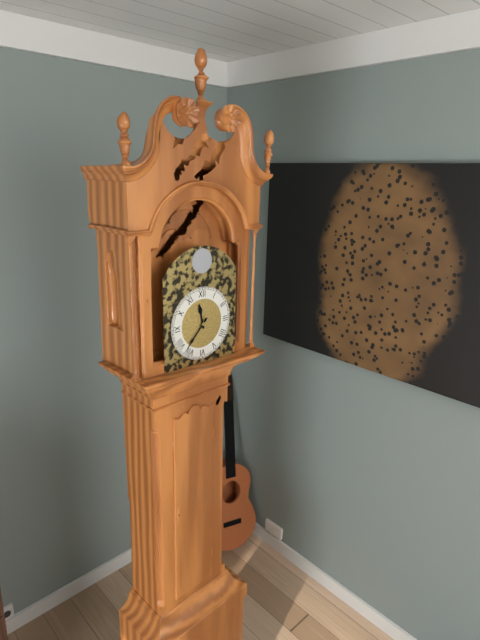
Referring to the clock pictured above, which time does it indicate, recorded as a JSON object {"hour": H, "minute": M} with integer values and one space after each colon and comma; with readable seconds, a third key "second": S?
{"hour": 11, "minute": 37}
